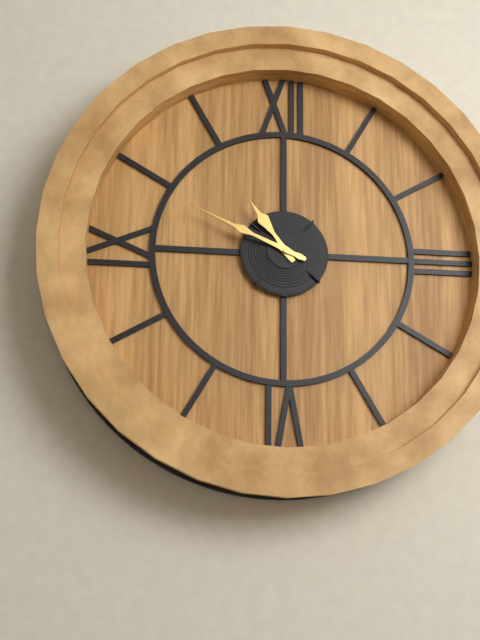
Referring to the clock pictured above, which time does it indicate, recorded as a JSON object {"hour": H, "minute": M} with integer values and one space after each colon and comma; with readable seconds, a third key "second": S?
{"hour": 10, "minute": 49}
